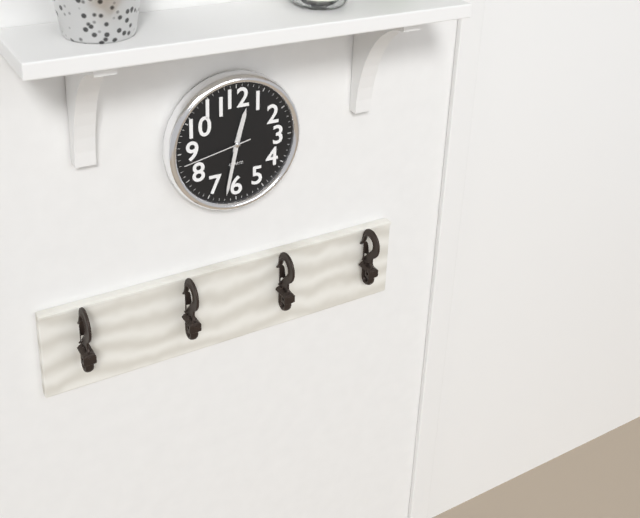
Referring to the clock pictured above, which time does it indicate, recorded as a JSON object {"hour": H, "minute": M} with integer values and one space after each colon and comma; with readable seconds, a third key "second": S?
{"hour": 12, "minute": 32, "second": 43}
